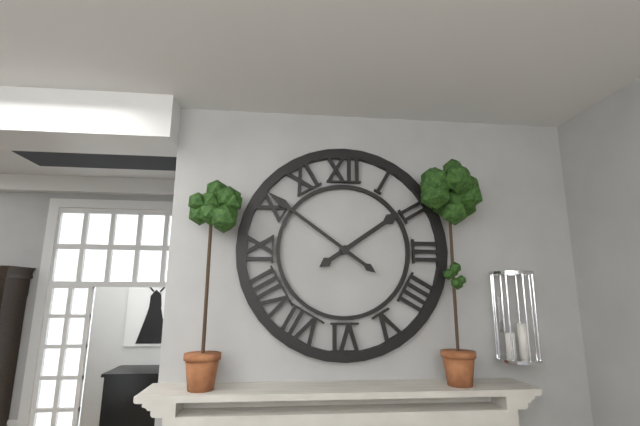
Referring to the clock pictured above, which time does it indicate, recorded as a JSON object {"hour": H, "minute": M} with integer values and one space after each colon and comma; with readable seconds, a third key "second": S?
{"hour": 1, "minute": 51}
